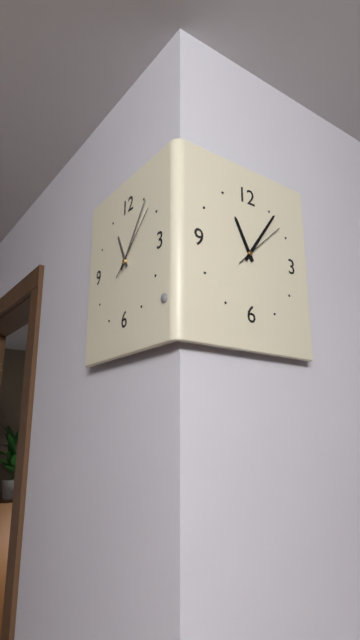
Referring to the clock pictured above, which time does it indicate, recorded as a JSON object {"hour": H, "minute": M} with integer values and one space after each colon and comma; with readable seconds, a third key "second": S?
{"hour": 11, "minute": 6}
